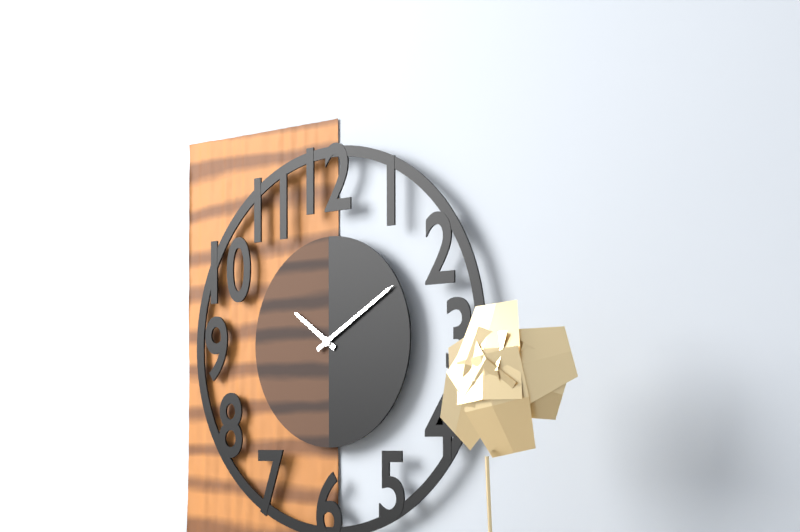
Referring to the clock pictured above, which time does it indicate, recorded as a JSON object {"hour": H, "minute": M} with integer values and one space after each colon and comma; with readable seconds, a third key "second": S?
{"hour": 10, "minute": 10}
